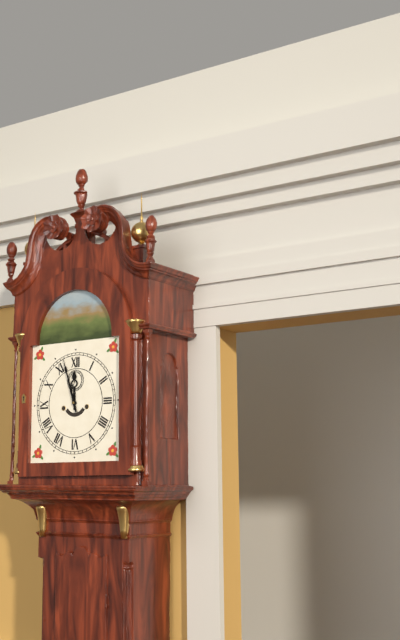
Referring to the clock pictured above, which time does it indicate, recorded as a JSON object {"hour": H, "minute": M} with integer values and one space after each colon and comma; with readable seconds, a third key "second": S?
{"hour": 11, "minute": 57}
